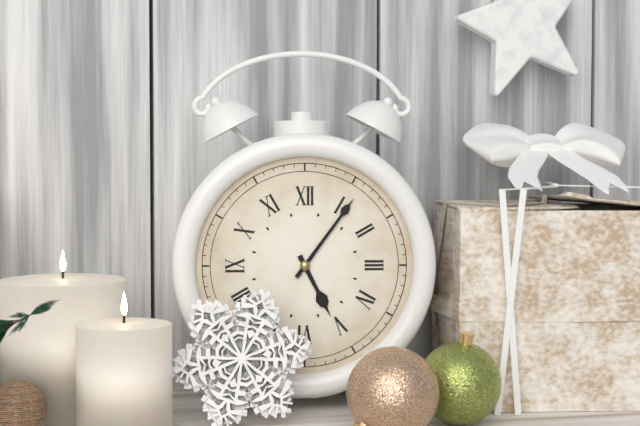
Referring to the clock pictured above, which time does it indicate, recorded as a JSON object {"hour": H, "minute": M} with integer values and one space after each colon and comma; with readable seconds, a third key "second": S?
{"hour": 5, "minute": 6}
